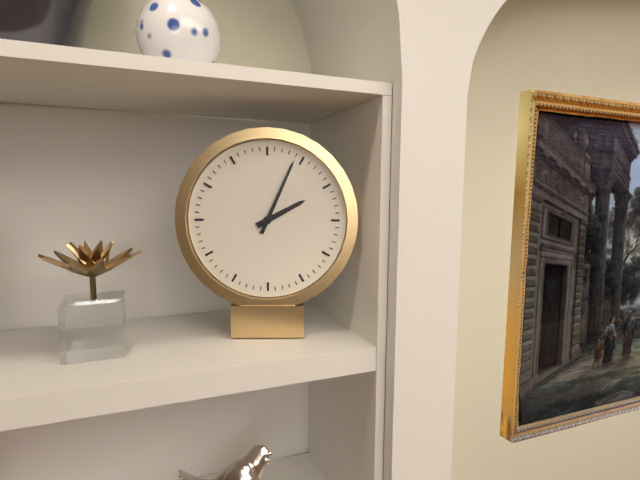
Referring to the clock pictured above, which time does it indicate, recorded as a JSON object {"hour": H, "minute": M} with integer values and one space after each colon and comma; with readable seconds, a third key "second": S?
{"hour": 2, "minute": 4}
